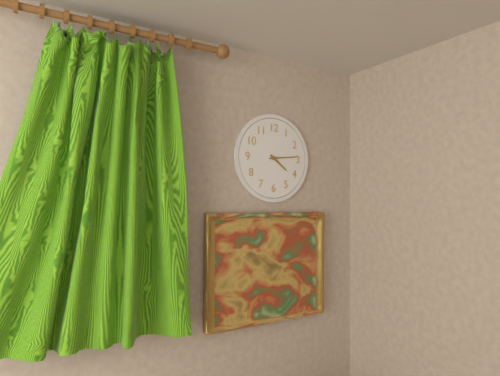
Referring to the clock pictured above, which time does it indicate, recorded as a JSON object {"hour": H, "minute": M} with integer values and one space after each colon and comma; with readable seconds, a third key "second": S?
{"hour": 4, "minute": 14}
